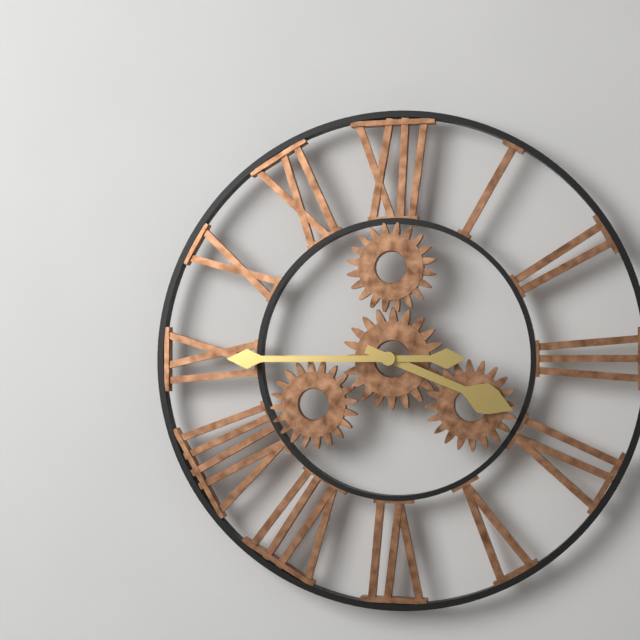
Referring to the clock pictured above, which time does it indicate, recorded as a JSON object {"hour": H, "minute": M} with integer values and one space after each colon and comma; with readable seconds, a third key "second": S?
{"hour": 3, "minute": 45}
